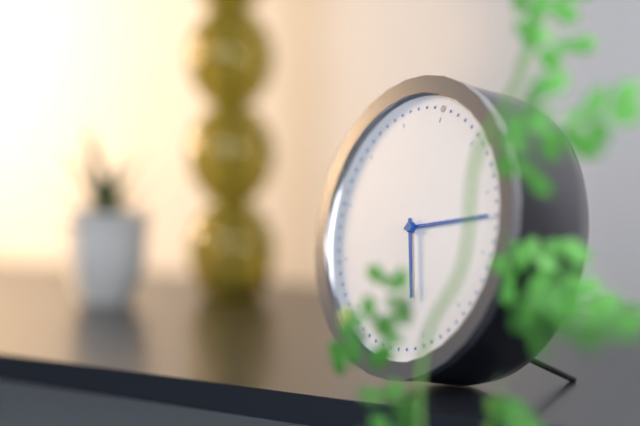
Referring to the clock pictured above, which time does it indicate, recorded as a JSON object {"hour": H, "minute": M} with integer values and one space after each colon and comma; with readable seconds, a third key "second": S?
{"hour": 5, "minute": 12}
